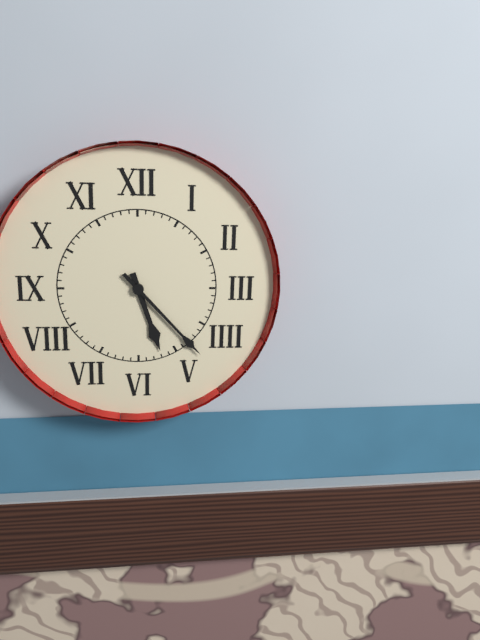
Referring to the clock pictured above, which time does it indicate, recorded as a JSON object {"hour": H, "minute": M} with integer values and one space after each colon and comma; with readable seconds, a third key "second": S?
{"hour": 5, "minute": 23}
